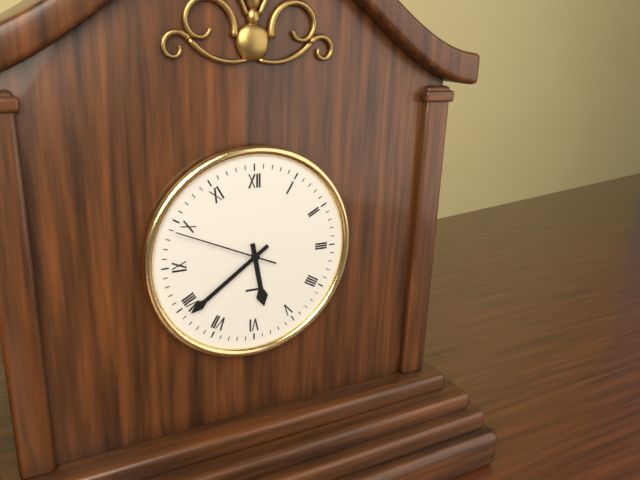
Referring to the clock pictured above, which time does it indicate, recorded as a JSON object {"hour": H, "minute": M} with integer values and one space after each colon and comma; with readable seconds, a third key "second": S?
{"hour": 5, "minute": 39, "second": 49}
